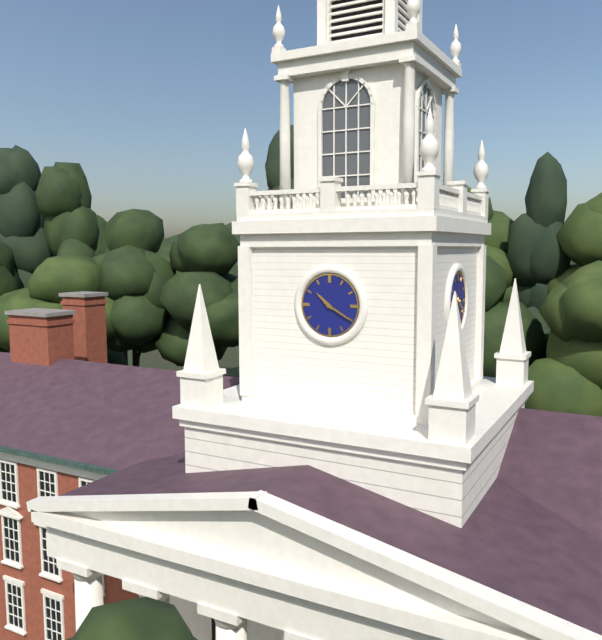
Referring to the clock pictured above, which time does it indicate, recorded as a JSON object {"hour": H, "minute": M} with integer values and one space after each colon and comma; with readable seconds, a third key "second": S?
{"hour": 10, "minute": 20}
